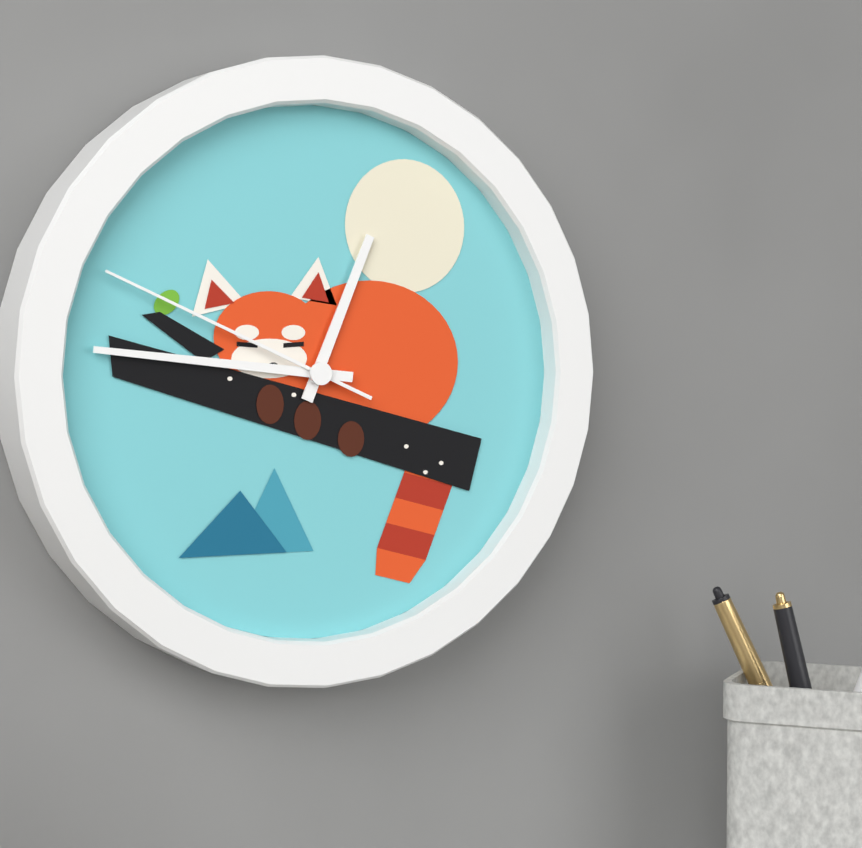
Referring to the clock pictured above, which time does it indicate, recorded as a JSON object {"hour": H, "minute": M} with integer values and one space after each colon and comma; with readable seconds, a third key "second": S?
{"hour": 12, "minute": 46, "second": 49}
